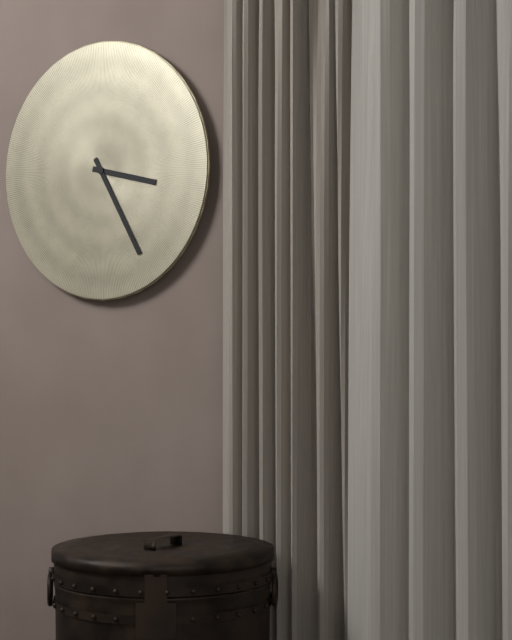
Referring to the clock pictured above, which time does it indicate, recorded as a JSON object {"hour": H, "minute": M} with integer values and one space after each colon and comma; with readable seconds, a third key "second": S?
{"hour": 3, "minute": 25}
